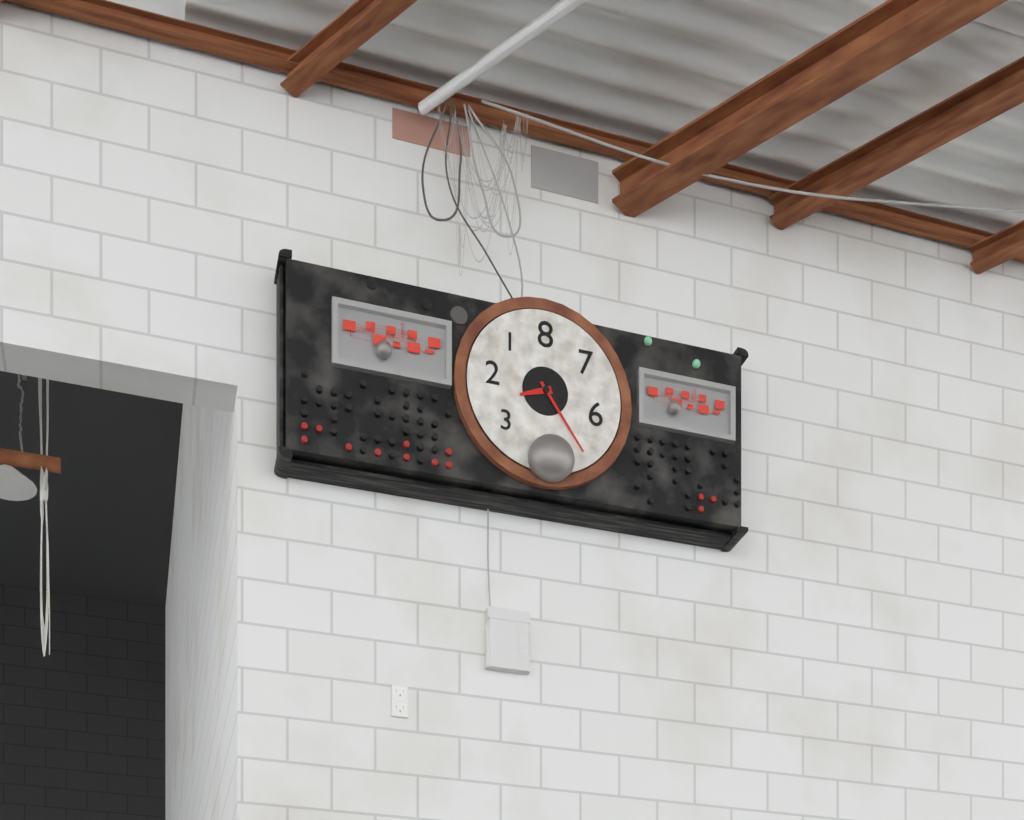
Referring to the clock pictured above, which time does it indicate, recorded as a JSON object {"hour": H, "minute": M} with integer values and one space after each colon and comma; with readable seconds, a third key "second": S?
{"hour": 8, "minute": 24}
